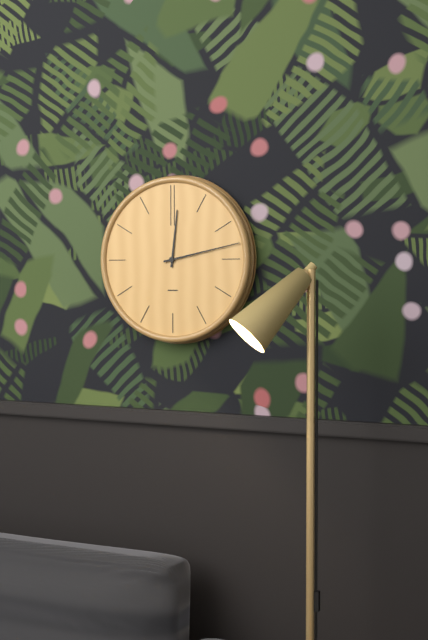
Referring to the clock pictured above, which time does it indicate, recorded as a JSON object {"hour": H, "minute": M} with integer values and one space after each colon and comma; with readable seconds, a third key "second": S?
{"hour": 12, "minute": 13}
